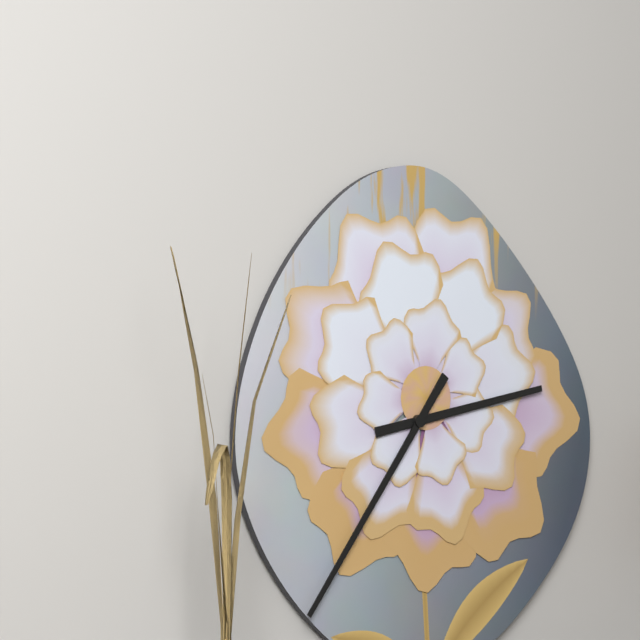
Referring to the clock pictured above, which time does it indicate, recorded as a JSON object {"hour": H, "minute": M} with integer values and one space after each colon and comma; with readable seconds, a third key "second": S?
{"hour": 2, "minute": 36}
